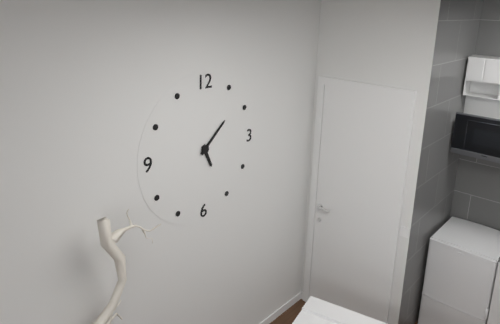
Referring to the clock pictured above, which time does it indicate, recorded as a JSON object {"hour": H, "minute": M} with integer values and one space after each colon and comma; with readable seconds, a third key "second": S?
{"hour": 5, "minute": 8}
